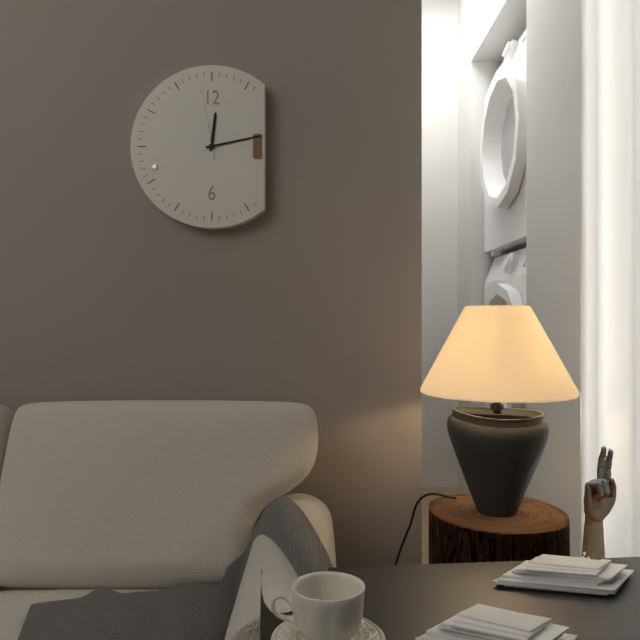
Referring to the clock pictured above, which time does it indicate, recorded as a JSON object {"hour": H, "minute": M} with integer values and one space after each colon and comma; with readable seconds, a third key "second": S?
{"hour": 12, "minute": 13, "second": 58}
